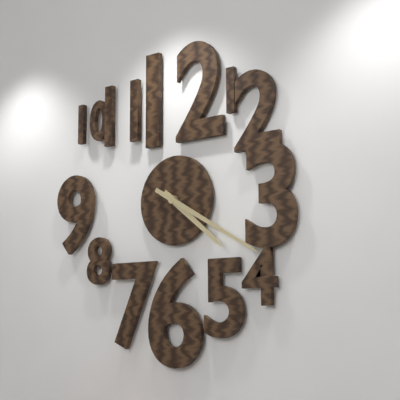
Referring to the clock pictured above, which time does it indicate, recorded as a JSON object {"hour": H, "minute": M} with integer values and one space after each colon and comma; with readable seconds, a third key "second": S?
{"hour": 4, "minute": 20}
